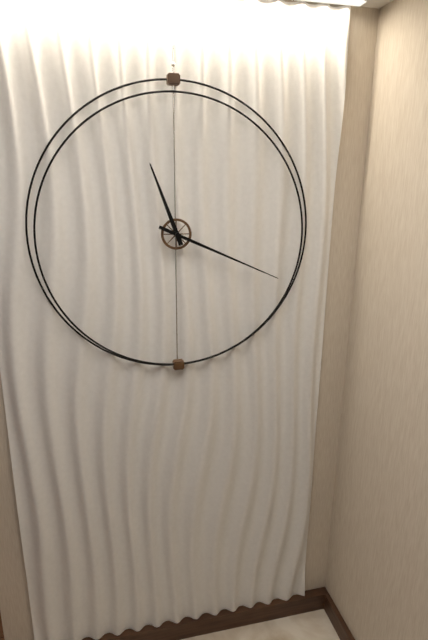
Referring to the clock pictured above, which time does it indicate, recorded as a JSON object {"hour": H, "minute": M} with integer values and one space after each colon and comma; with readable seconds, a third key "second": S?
{"hour": 11, "minute": 19}
